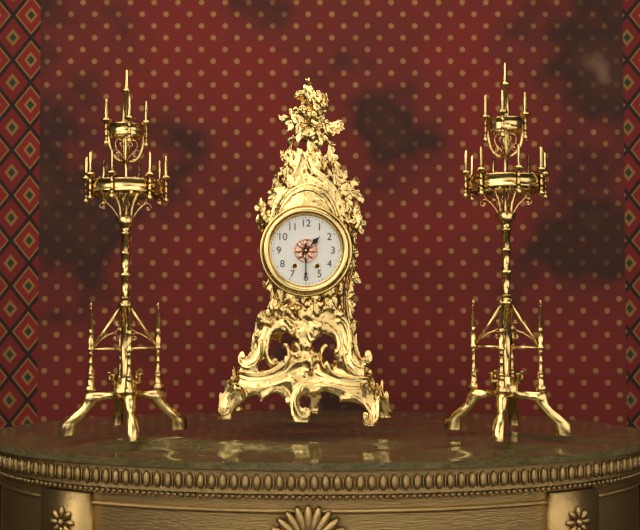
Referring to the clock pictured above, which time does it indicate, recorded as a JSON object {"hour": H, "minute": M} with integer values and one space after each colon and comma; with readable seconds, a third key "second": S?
{"hour": 1, "minute": 30}
